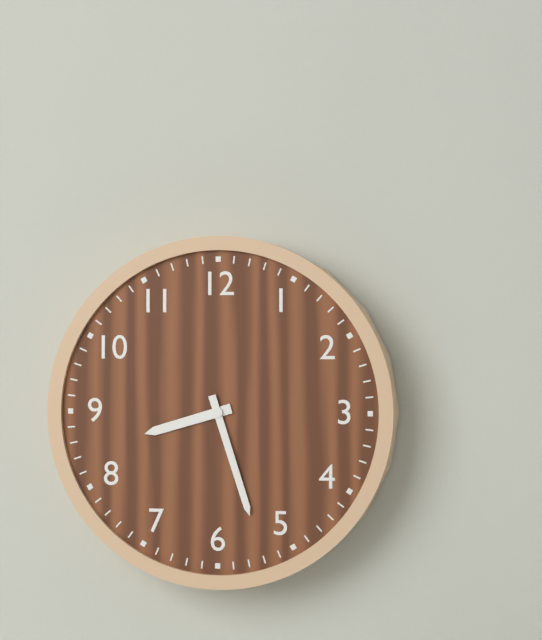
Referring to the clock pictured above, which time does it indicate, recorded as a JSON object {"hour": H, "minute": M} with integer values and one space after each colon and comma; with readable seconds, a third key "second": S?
{"hour": 8, "minute": 27}
